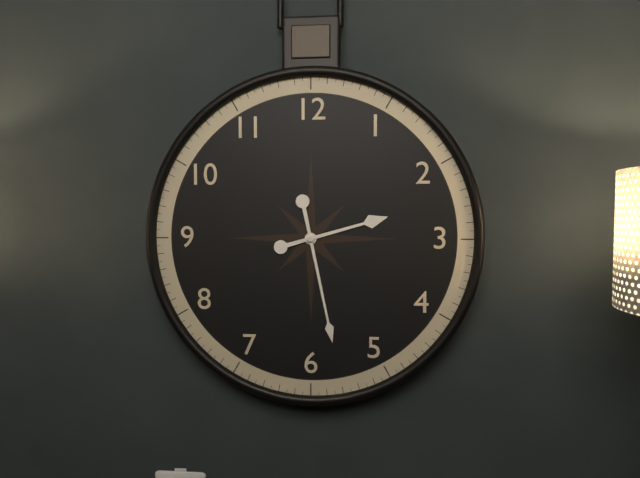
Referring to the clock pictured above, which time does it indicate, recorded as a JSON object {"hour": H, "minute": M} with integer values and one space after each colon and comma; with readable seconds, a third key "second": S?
{"hour": 2, "minute": 28}
